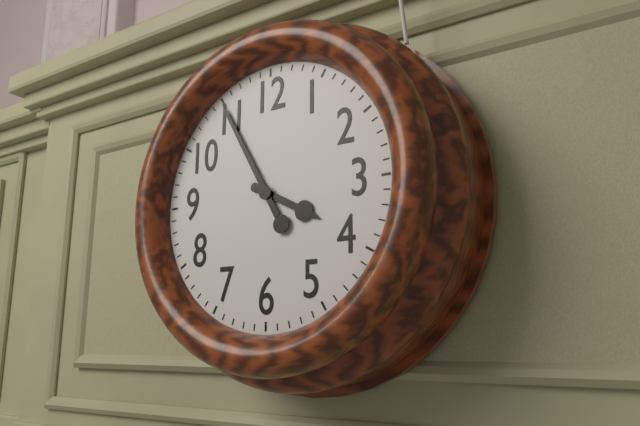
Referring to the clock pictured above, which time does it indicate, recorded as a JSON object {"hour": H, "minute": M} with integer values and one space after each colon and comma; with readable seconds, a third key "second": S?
{"hour": 3, "minute": 55}
